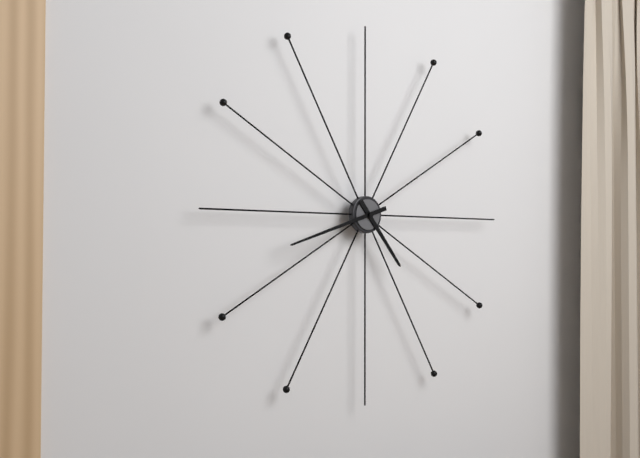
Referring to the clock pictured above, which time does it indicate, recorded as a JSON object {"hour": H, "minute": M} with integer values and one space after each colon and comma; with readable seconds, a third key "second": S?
{"hour": 4, "minute": 42}
